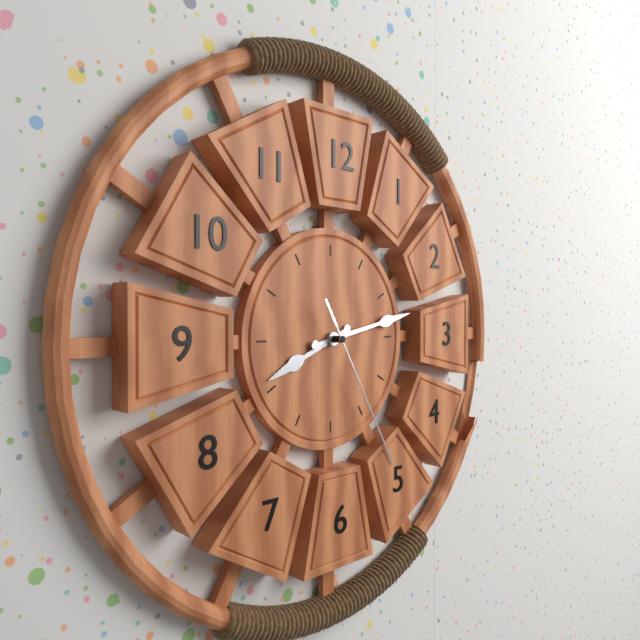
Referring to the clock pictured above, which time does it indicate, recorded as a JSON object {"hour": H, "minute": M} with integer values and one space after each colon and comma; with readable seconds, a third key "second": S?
{"hour": 8, "minute": 13, "second": 25}
